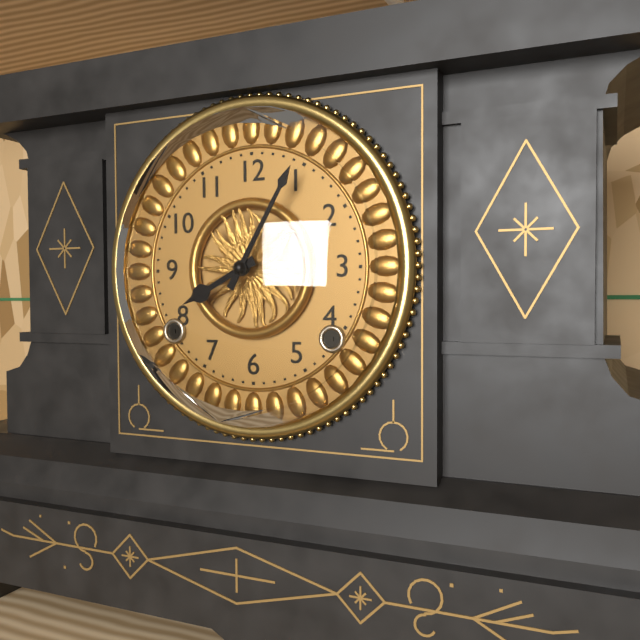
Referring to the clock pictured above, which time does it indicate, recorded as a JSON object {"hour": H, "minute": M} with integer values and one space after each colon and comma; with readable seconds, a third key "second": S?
{"hour": 8, "minute": 5}
